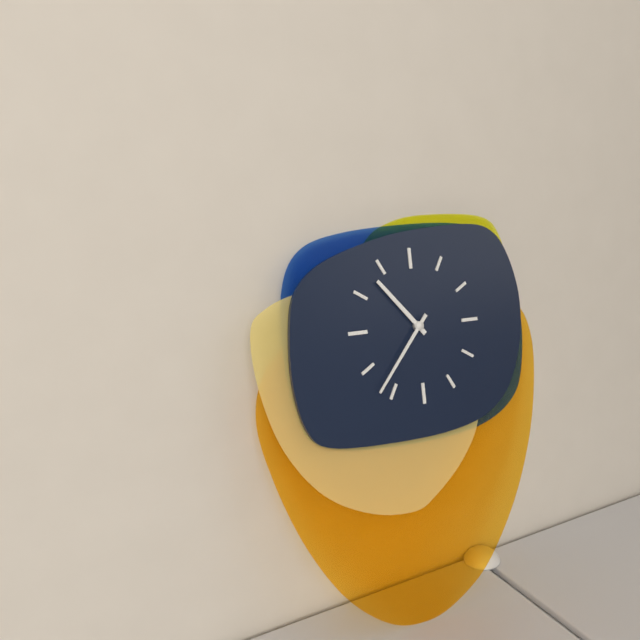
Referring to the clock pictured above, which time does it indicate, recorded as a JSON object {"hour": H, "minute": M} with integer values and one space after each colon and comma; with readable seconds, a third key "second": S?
{"hour": 10, "minute": 37}
